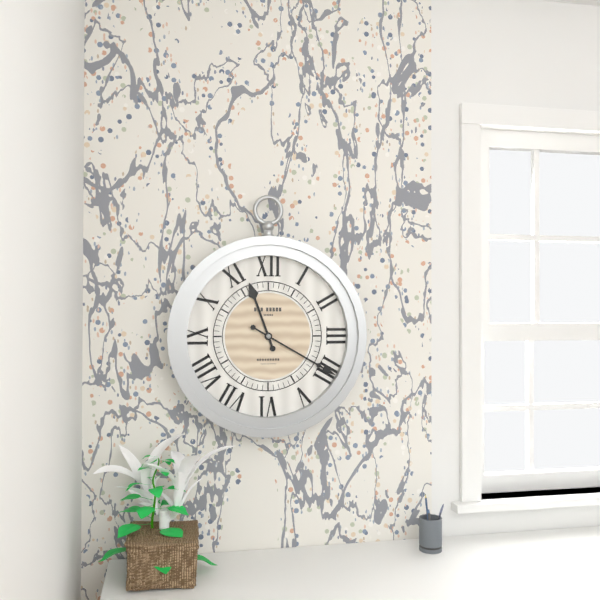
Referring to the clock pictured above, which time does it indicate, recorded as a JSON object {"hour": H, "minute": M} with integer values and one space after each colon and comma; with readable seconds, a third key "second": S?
{"hour": 11, "minute": 20}
